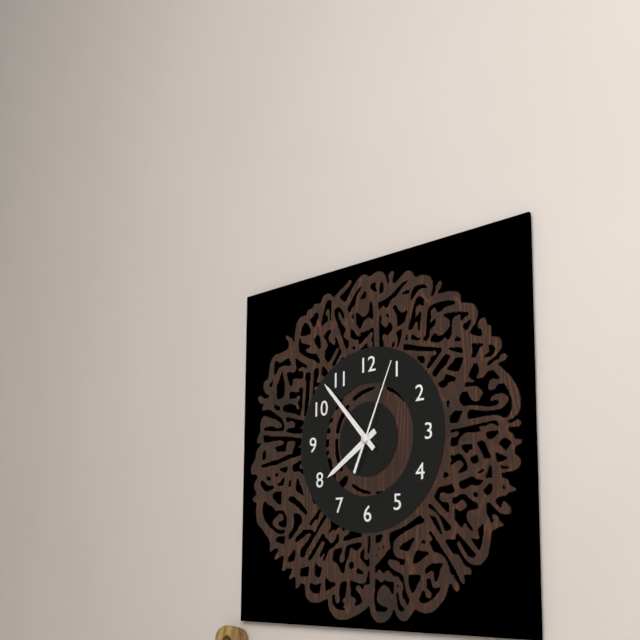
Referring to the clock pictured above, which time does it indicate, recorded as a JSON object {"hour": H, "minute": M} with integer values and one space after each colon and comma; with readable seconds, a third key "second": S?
{"hour": 7, "minute": 53, "second": 4}
